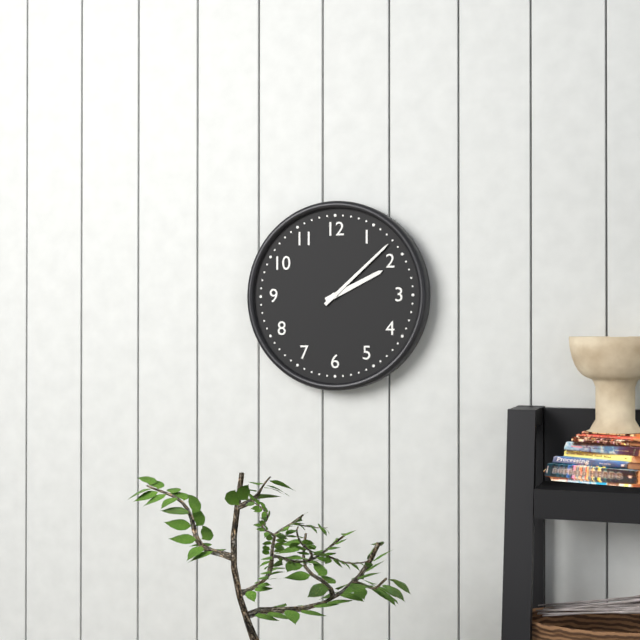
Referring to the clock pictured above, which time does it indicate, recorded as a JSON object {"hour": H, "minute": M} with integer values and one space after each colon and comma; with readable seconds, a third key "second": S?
{"hour": 2, "minute": 8}
